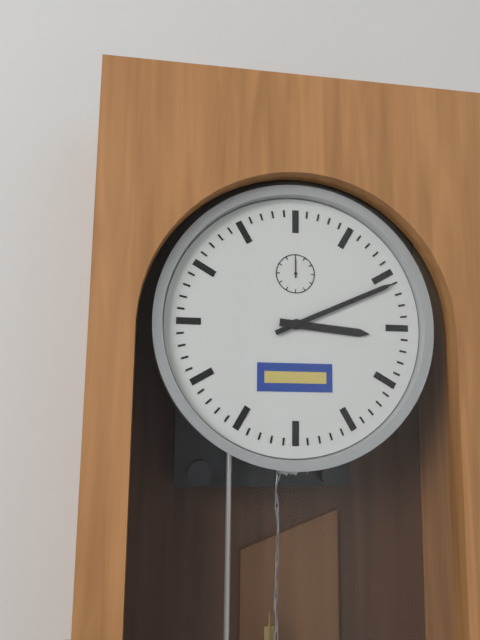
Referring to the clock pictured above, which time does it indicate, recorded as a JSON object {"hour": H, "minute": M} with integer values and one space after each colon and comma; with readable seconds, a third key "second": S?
{"hour": 3, "minute": 11}
